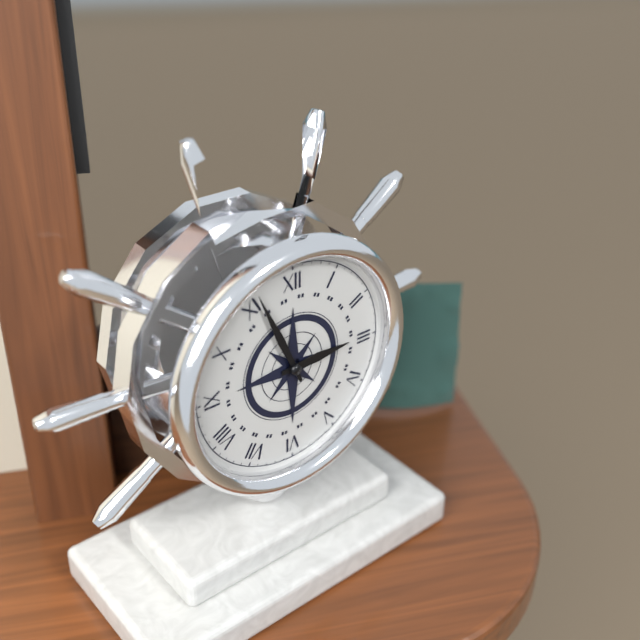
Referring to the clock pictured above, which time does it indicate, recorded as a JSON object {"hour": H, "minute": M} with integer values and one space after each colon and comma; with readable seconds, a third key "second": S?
{"hour": 2, "minute": 56}
